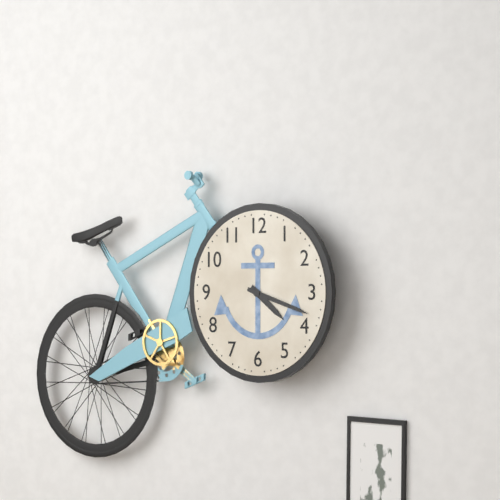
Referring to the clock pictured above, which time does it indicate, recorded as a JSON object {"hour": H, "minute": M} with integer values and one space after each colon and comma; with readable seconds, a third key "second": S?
{"hour": 4, "minute": 18}
